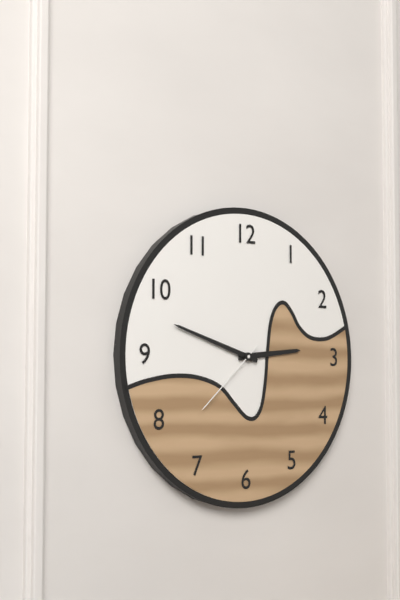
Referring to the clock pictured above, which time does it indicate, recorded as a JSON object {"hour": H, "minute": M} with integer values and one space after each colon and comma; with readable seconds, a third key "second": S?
{"hour": 2, "minute": 48, "second": 38}
